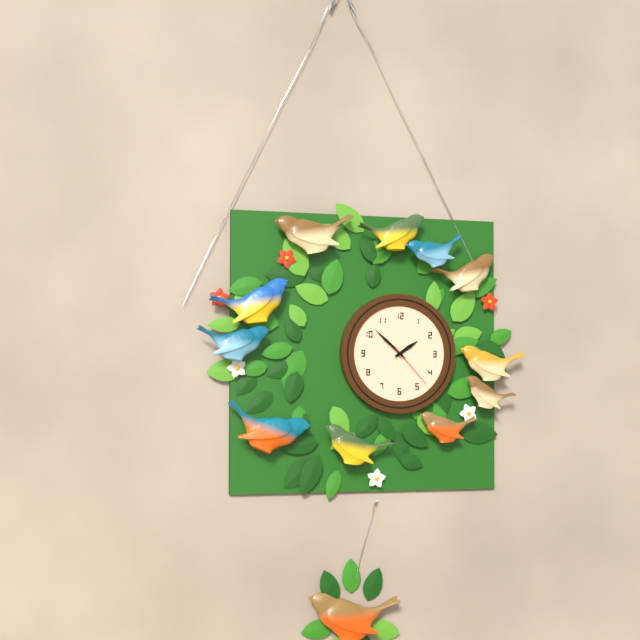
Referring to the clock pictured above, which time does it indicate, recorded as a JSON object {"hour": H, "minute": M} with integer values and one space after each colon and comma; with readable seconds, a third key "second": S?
{"hour": 1, "minute": 52}
